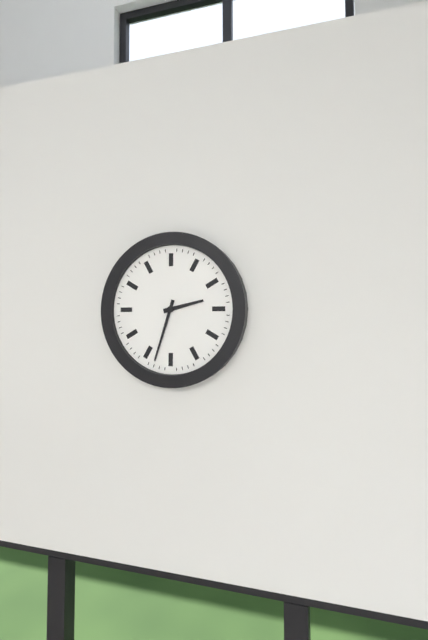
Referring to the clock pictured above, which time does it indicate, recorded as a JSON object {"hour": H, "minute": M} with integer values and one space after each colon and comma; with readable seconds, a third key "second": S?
{"hour": 2, "minute": 33}
